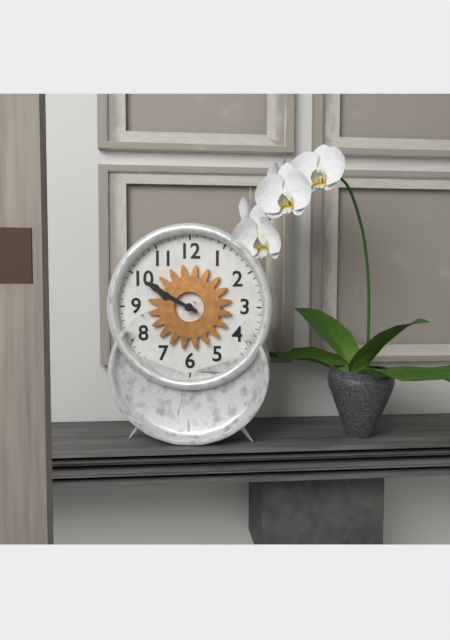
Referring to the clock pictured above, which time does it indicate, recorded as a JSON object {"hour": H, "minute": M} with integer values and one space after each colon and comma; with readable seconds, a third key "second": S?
{"hour": 9, "minute": 50}
